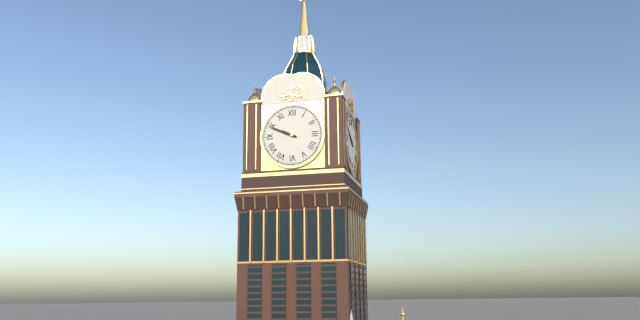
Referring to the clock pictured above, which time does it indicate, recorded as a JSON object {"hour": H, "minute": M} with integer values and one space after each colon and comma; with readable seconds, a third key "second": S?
{"hour": 9, "minute": 49}
